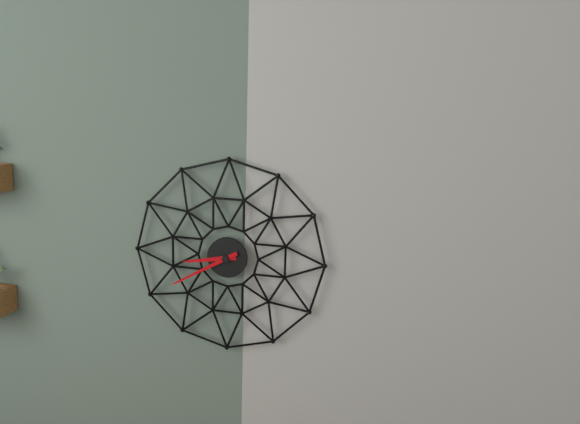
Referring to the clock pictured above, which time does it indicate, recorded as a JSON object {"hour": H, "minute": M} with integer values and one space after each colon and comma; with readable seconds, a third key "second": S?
{"hour": 8, "minute": 40}
